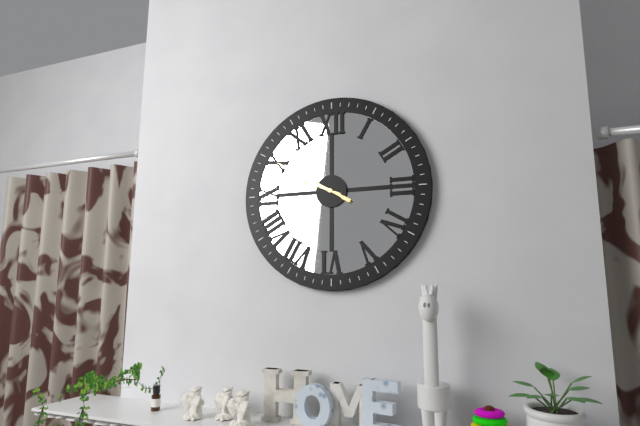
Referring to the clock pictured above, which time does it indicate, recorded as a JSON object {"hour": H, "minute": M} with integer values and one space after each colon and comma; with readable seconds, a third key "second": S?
{"hour": 9, "minute": 50}
